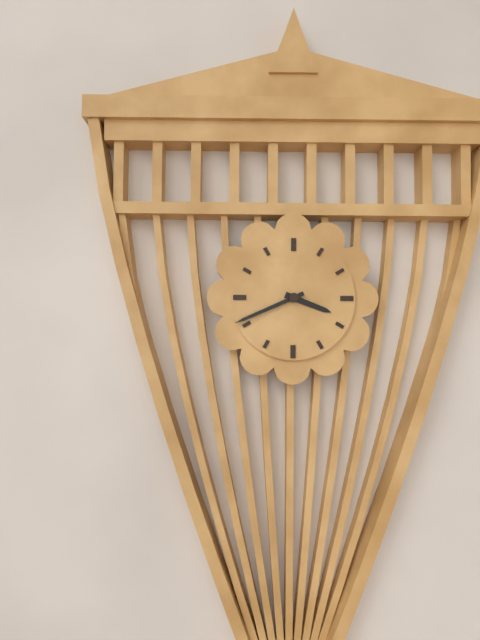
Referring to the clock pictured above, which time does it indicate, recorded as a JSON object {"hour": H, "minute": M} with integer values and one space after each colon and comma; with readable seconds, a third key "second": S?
{"hour": 3, "minute": 41}
